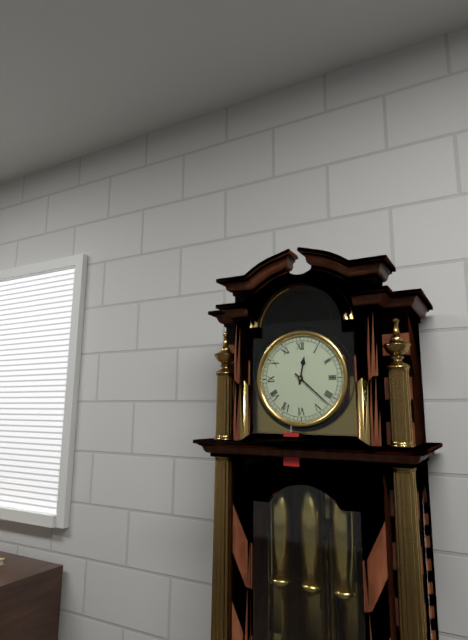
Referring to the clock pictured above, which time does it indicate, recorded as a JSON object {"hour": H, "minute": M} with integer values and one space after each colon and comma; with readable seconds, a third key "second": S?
{"hour": 12, "minute": 22}
